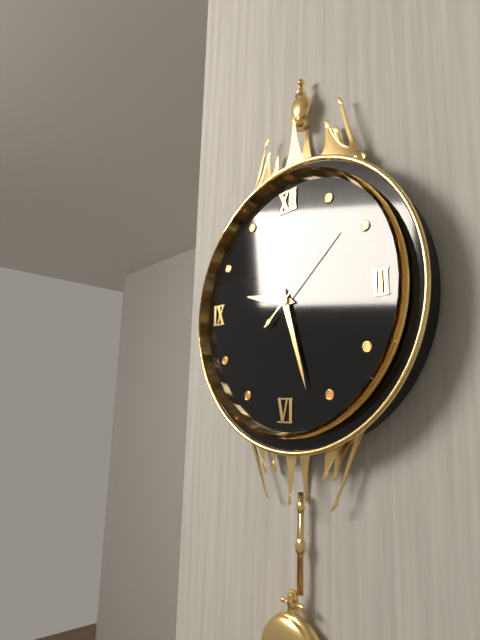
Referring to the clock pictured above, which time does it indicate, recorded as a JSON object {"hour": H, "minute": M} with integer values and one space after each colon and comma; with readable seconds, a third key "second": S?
{"hour": 9, "minute": 27, "second": 8}
